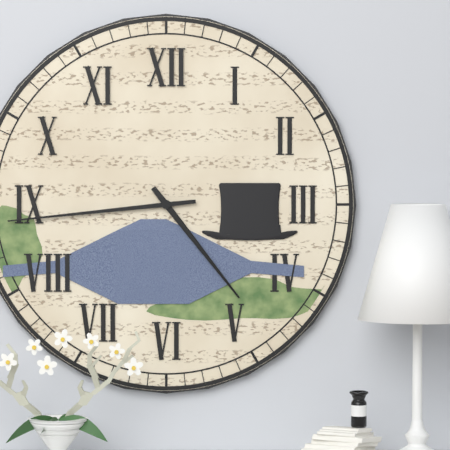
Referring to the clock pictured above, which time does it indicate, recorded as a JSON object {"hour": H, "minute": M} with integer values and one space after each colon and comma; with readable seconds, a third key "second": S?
{"hour": 4, "minute": 44}
